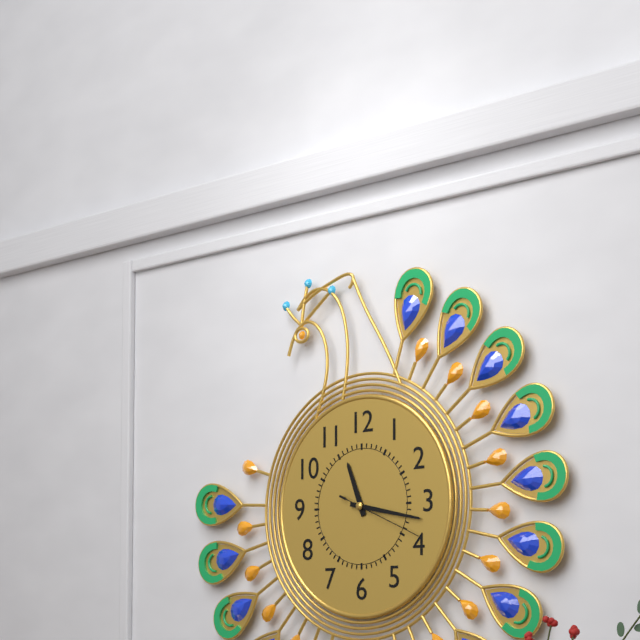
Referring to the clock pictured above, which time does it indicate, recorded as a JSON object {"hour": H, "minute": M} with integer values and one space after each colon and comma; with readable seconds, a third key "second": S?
{"hour": 11, "minute": 17, "second": 19}
